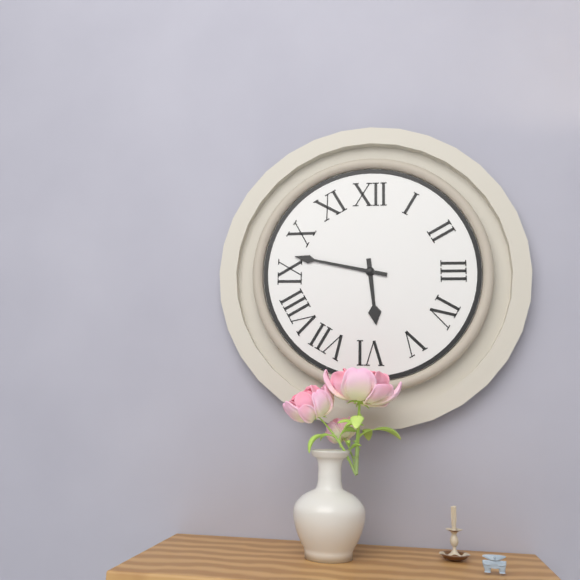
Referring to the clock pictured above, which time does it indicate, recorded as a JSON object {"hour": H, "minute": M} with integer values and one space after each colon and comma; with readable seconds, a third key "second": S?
{"hour": 5, "minute": 47}
